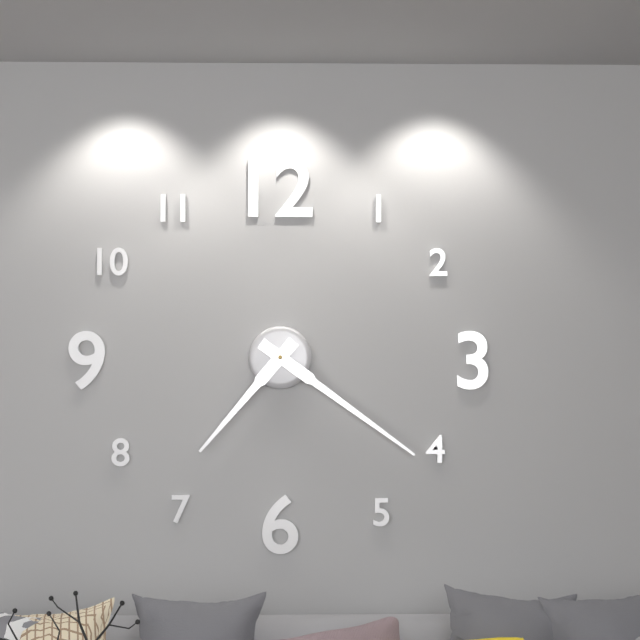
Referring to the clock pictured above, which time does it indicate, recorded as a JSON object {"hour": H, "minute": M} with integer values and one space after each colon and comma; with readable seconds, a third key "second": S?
{"hour": 7, "minute": 21}
